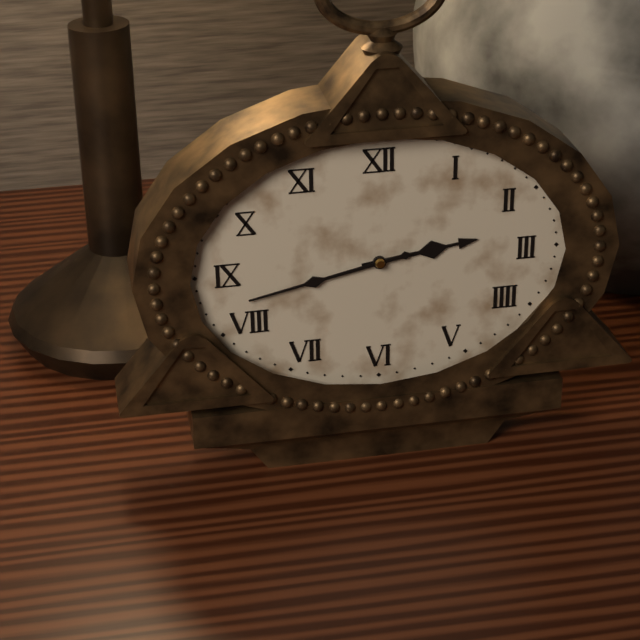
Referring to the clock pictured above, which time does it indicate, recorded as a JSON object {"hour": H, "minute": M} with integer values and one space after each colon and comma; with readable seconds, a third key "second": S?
{"hour": 2, "minute": 43}
